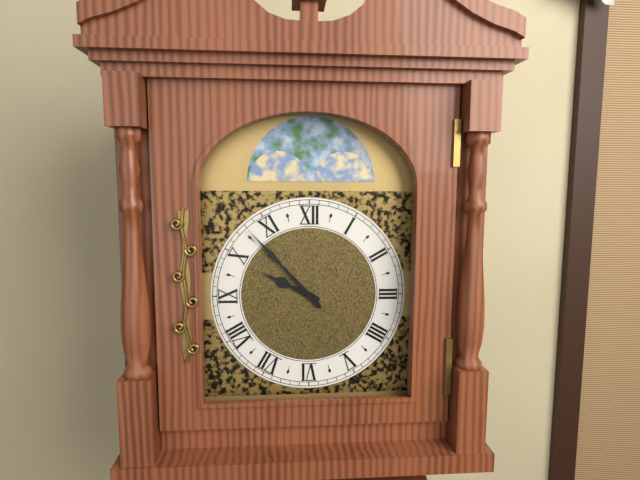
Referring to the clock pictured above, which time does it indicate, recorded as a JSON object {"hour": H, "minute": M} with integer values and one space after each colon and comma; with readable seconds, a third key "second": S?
{"hour": 9, "minute": 53}
